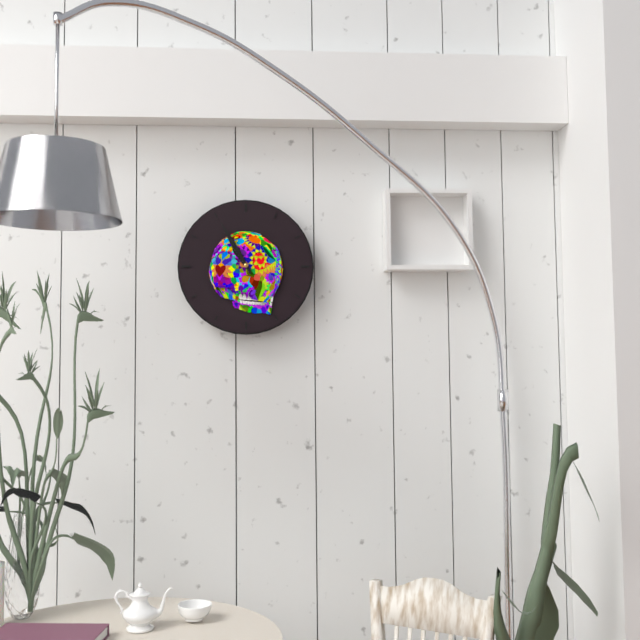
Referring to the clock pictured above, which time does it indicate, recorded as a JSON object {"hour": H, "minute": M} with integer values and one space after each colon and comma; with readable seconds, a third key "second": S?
{"hour": 10, "minute": 55}
